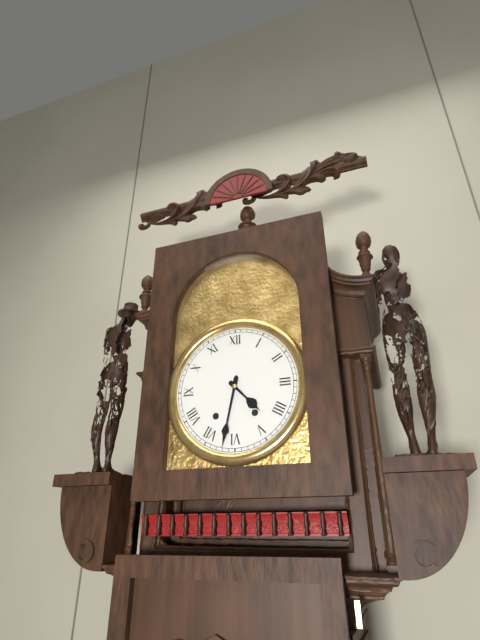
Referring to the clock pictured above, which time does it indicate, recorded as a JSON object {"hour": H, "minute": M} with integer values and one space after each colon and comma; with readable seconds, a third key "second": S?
{"hour": 4, "minute": 32}
